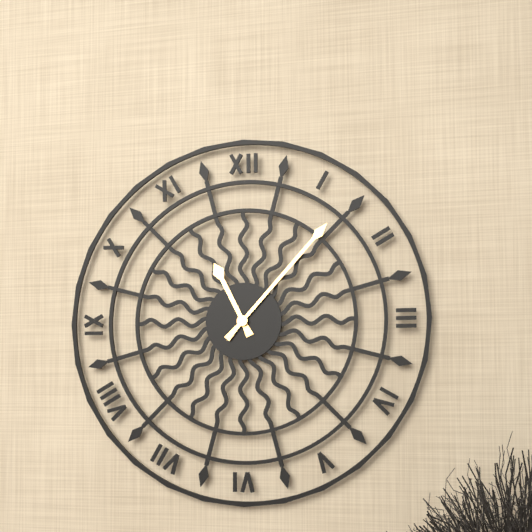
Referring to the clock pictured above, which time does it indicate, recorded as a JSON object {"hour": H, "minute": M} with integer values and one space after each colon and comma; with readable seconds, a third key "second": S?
{"hour": 11, "minute": 7}
